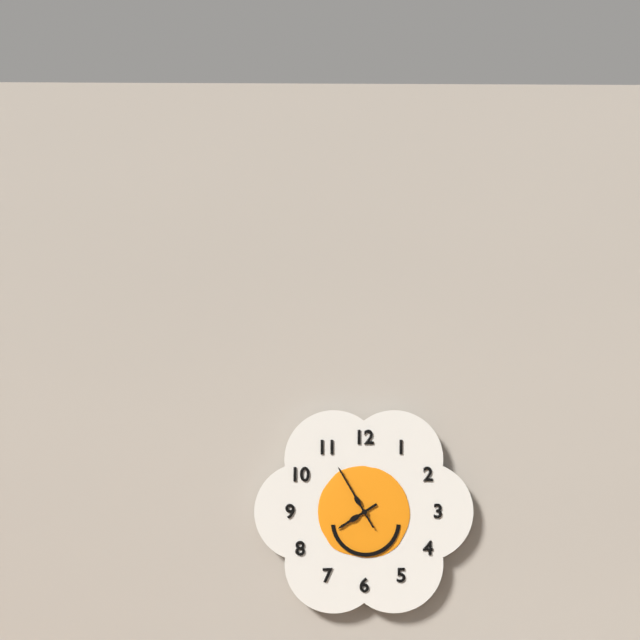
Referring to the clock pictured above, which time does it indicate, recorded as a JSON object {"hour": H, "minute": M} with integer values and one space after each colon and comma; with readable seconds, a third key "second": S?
{"hour": 7, "minute": 55}
